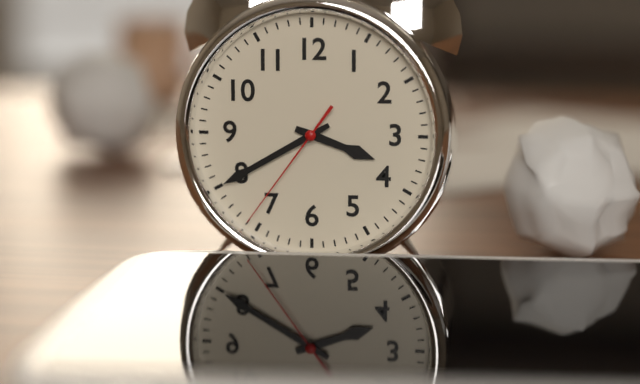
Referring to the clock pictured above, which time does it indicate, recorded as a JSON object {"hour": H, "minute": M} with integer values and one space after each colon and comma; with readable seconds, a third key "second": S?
{"hour": 3, "minute": 40, "second": 36}
